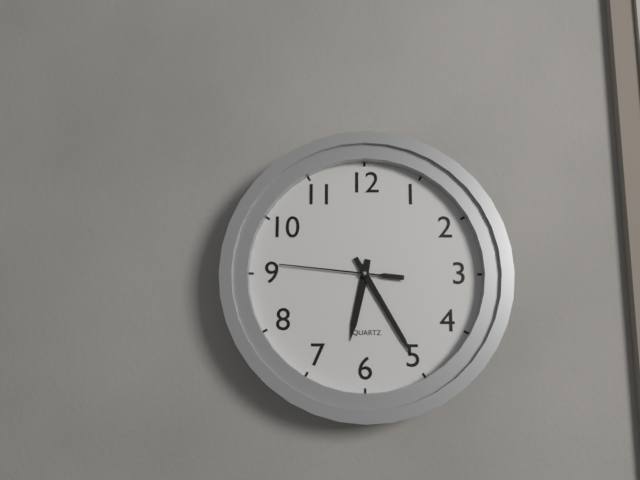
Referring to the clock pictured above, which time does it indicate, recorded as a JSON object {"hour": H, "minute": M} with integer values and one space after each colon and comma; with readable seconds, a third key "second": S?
{"hour": 6, "minute": 25, "second": 46}
